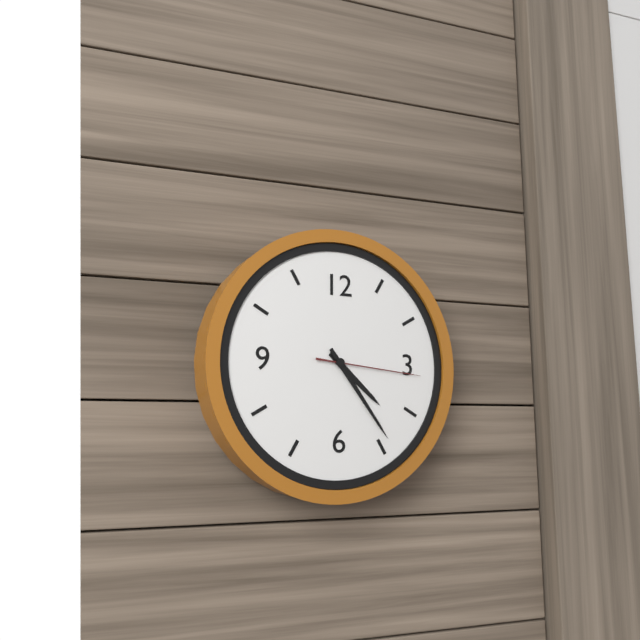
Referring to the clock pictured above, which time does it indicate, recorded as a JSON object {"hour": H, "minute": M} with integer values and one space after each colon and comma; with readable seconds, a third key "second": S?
{"hour": 4, "minute": 24, "second": 16}
